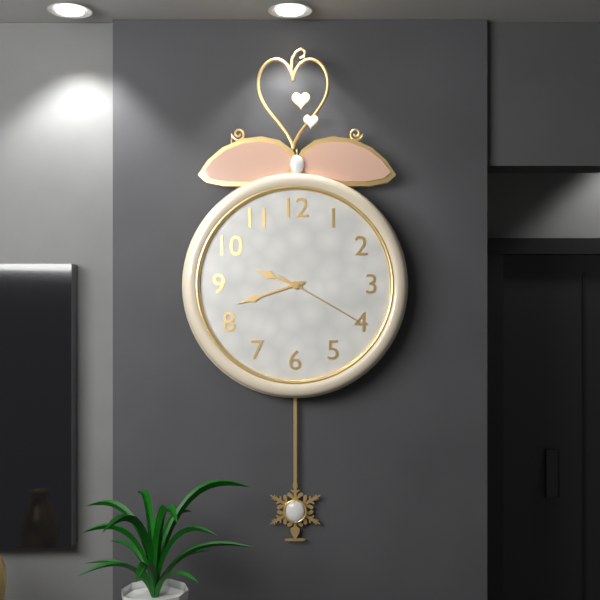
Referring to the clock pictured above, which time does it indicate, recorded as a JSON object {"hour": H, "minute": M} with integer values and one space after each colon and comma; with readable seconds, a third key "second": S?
{"hour": 9, "minute": 42, "second": 20}
